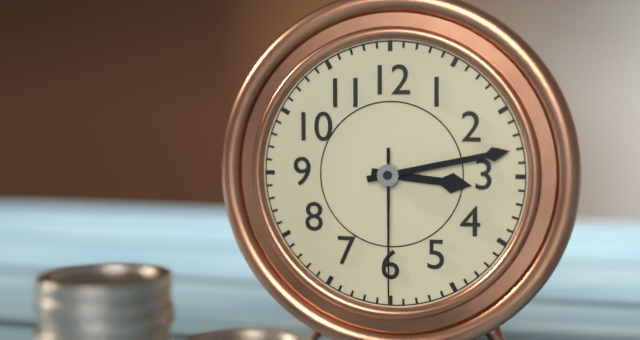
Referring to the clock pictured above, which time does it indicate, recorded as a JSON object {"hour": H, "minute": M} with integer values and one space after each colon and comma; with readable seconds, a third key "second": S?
{"hour": 3, "minute": 13, "second": 30}
